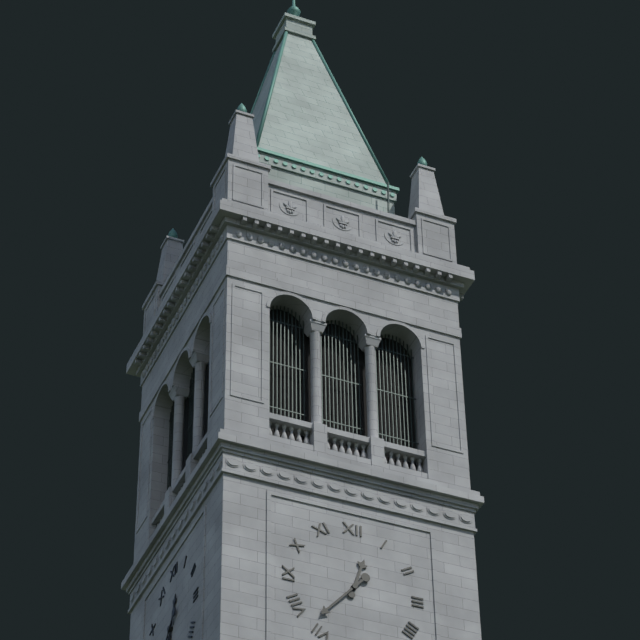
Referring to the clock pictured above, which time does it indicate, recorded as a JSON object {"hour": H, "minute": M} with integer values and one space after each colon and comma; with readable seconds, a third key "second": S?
{"hour": 12, "minute": 37}
